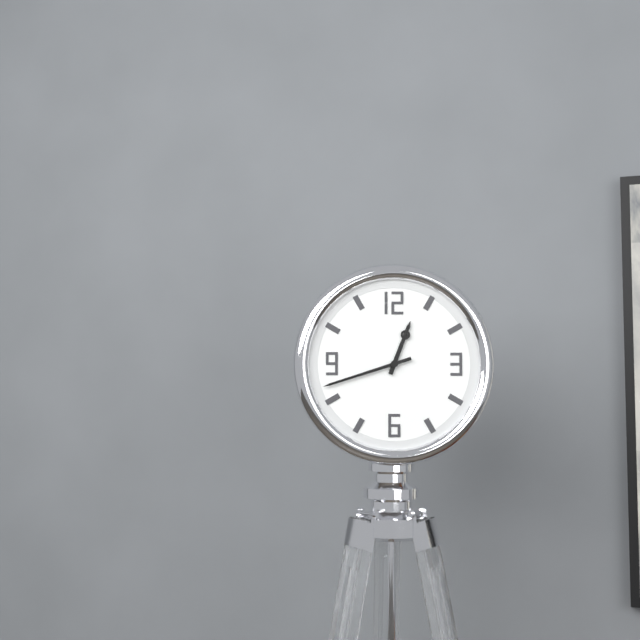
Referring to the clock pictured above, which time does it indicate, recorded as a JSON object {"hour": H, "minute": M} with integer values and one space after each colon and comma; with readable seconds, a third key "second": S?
{"hour": 12, "minute": 42}
